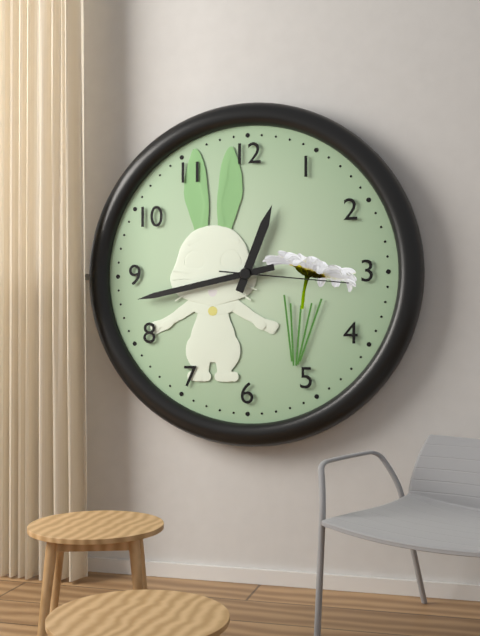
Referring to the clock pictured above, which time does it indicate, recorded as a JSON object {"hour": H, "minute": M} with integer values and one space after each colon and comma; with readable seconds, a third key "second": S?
{"hour": 12, "minute": 43, "second": 16}
